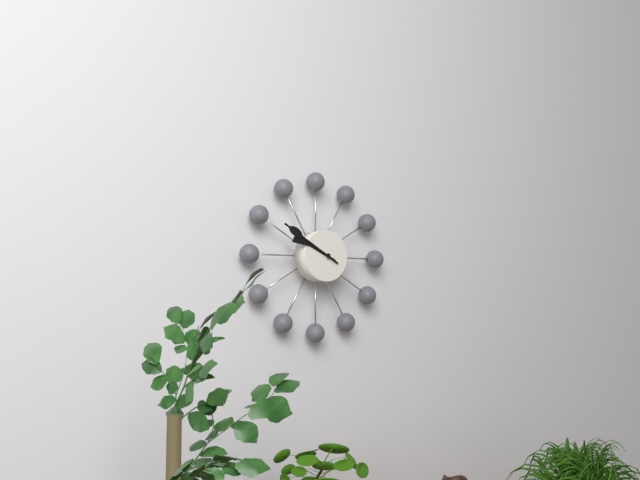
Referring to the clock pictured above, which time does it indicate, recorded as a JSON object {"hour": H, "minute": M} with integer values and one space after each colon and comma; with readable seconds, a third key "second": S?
{"hour": 9, "minute": 50}
